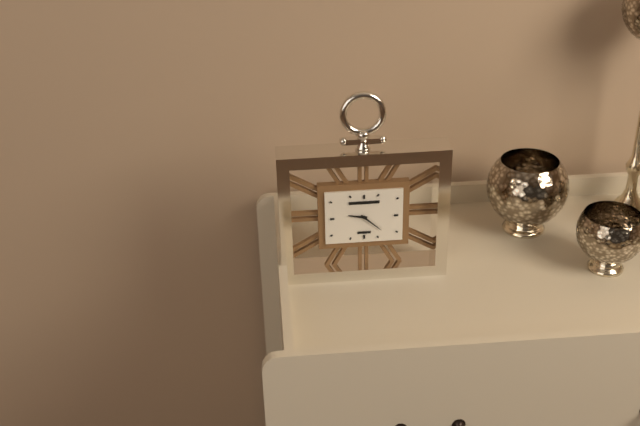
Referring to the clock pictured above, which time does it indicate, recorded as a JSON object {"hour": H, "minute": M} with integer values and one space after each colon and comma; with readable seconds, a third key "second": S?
{"hour": 9, "minute": 22}
